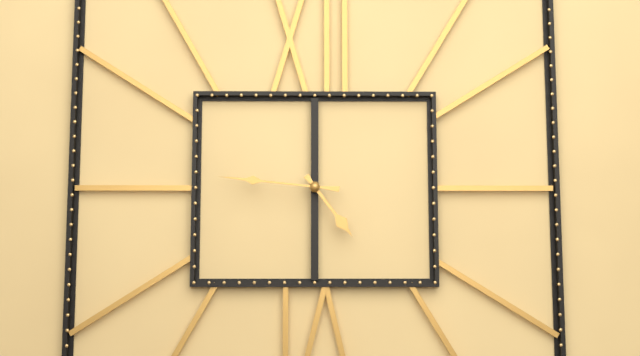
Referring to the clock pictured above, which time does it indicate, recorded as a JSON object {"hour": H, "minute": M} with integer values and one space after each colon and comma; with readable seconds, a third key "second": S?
{"hour": 4, "minute": 46}
